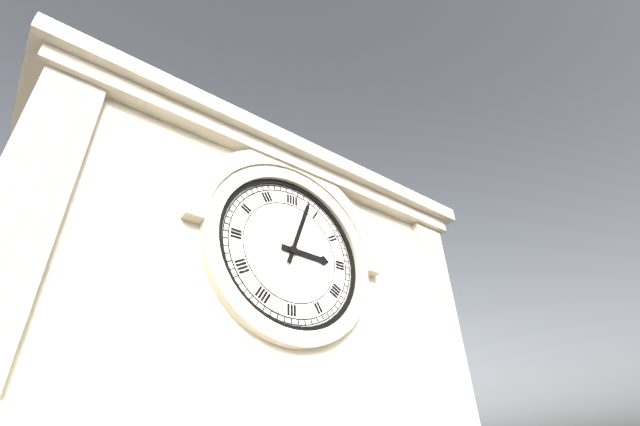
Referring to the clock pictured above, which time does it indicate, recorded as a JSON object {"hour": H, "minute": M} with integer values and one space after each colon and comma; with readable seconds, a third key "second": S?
{"hour": 3, "minute": 3}
